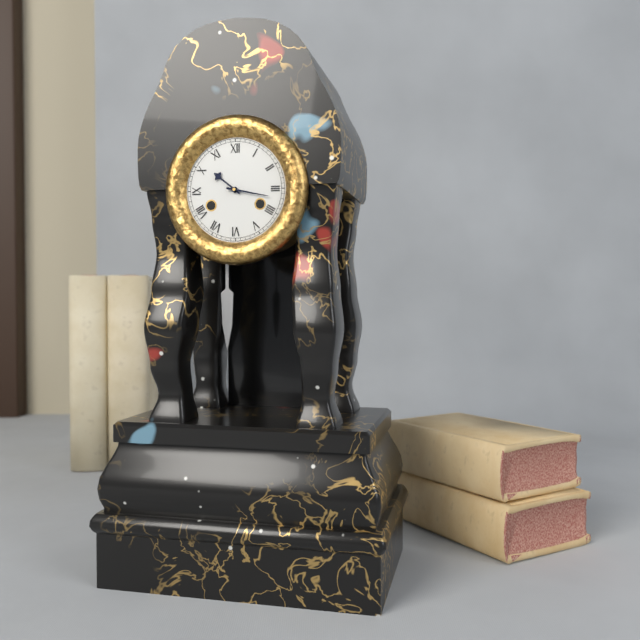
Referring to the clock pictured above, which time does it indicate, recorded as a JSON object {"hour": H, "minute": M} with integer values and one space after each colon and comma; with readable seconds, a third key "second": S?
{"hour": 10, "minute": 17}
